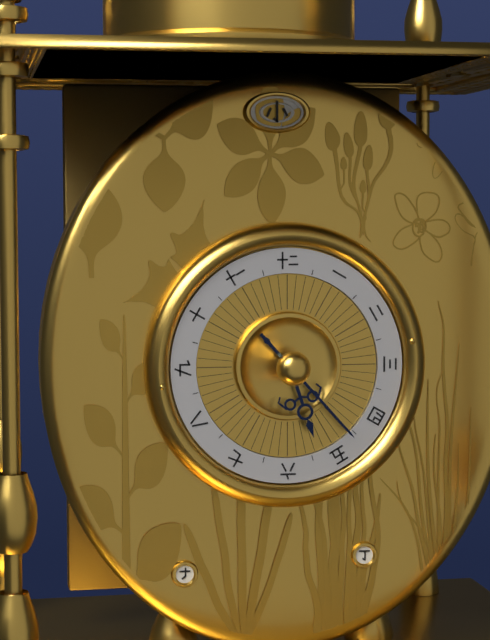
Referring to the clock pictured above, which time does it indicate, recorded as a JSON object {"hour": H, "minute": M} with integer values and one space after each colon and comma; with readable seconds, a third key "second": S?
{"hour": 5, "minute": 23}
